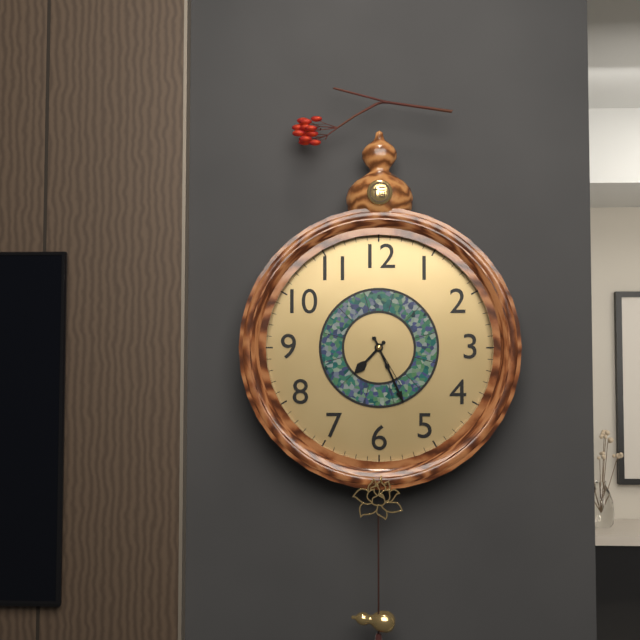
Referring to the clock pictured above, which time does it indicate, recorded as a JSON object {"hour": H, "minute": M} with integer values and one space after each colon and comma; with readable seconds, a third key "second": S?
{"hour": 7, "minute": 26, "second": 25}
